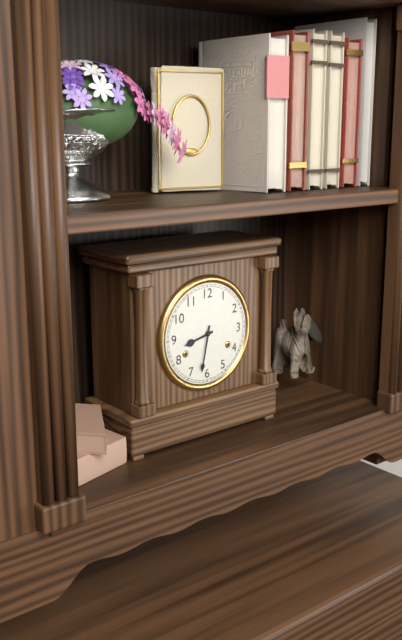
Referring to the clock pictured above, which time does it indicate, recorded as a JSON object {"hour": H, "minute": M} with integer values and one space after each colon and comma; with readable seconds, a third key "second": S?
{"hour": 8, "minute": 32}
